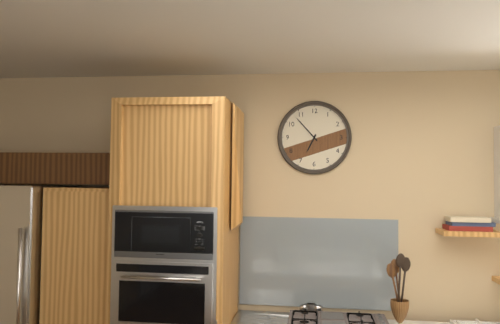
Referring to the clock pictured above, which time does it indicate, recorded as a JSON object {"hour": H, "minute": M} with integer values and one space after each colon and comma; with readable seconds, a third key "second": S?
{"hour": 6, "minute": 53}
